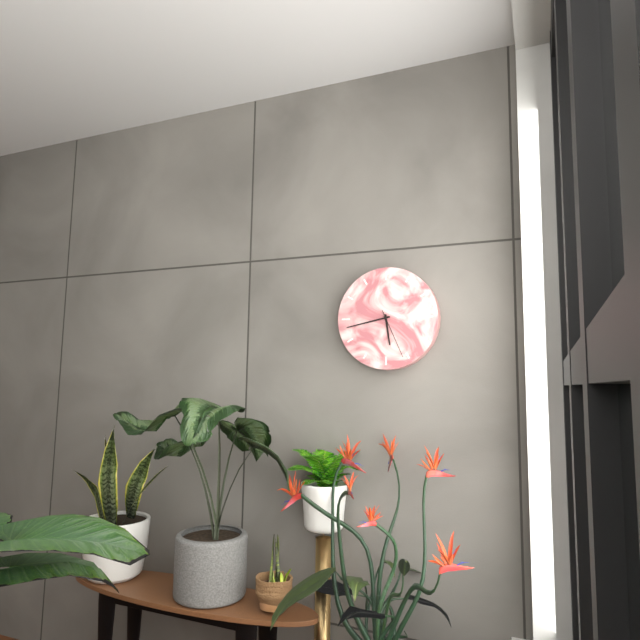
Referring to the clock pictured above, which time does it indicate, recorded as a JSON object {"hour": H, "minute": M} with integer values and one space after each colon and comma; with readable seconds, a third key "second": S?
{"hour": 5, "minute": 43, "second": 26}
